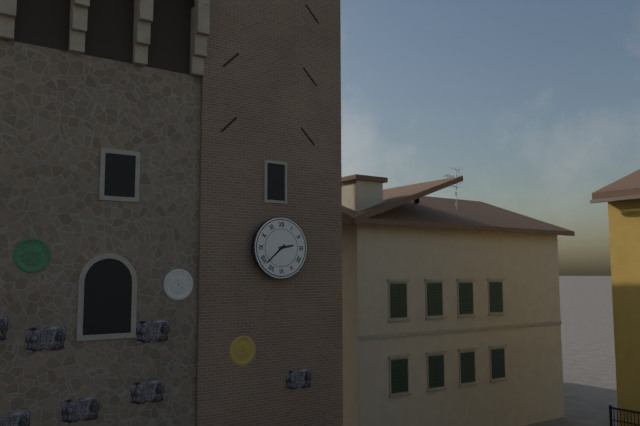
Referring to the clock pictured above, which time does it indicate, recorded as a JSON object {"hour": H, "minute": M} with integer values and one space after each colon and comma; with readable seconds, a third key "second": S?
{"hour": 2, "minute": 38}
